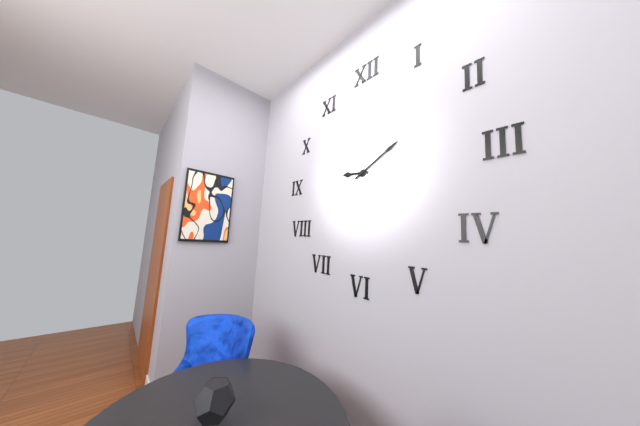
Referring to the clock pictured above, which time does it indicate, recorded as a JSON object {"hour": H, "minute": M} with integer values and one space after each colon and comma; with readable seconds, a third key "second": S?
{"hour": 9, "minute": 10}
